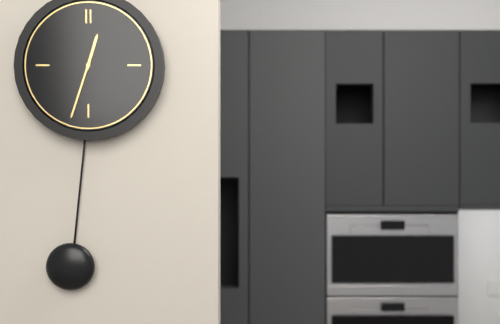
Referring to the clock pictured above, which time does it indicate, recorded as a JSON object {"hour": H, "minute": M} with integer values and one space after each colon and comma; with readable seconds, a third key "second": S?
{"hour": 12, "minute": 33}
